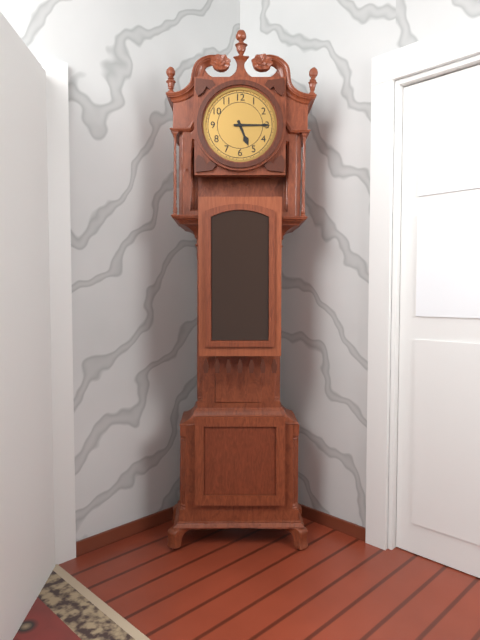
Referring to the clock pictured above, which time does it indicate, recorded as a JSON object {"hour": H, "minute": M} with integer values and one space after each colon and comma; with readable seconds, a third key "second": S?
{"hour": 5, "minute": 15}
